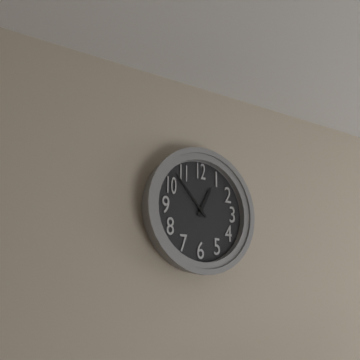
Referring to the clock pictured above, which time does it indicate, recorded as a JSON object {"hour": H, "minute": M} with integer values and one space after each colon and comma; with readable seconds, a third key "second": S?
{"hour": 12, "minute": 53}
